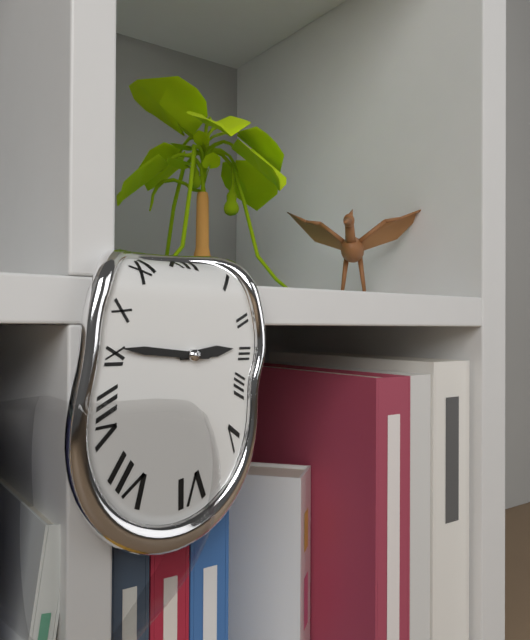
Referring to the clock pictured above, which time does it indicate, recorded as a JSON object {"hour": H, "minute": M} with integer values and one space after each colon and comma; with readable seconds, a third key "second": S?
{"hour": 2, "minute": 46}
